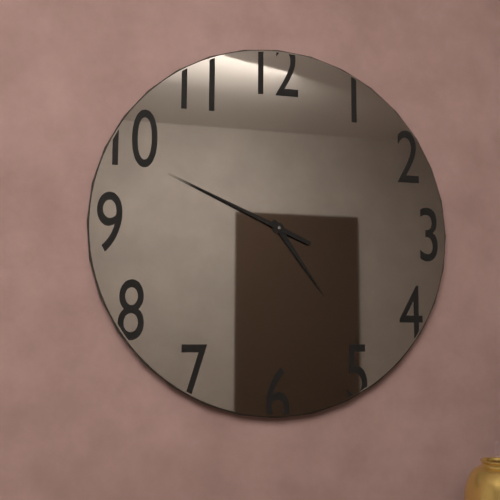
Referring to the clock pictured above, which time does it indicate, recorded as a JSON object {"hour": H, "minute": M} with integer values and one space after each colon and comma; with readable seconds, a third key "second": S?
{"hour": 4, "minute": 49}
